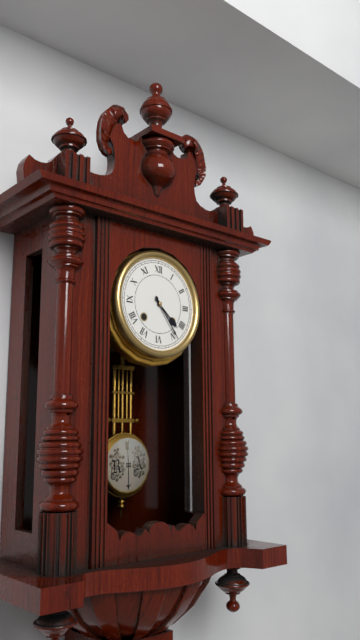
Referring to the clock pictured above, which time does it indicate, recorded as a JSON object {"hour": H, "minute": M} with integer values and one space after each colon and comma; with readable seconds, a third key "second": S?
{"hour": 4, "minute": 24}
